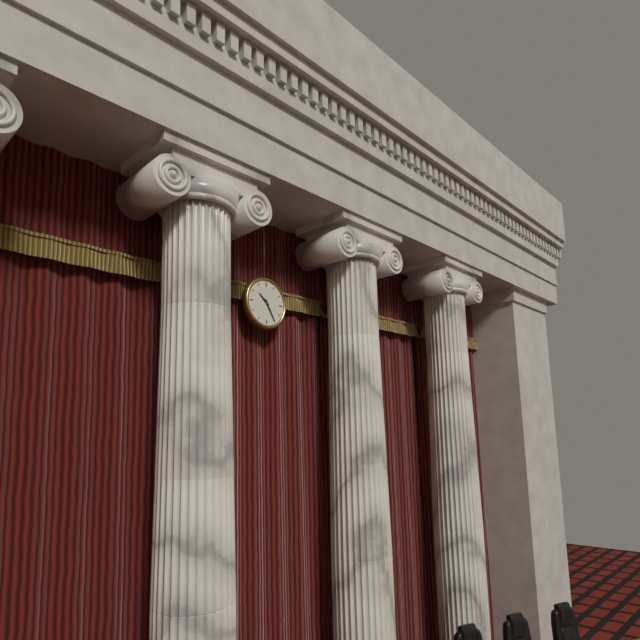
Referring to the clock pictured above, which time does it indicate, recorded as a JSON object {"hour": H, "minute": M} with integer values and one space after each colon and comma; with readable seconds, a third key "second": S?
{"hour": 10, "minute": 25}
